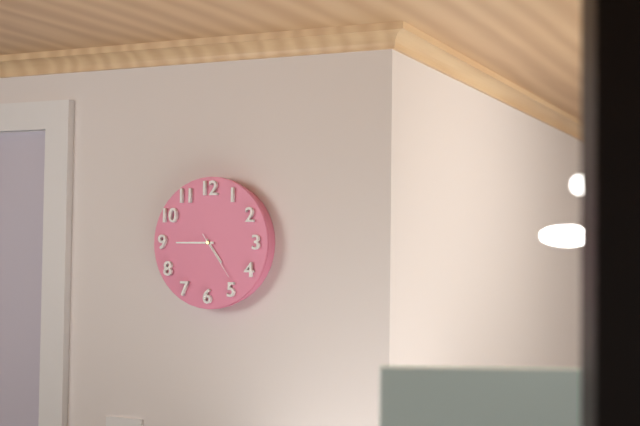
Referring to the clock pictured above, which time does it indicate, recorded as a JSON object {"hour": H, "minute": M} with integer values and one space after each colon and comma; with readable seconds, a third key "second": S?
{"hour": 4, "minute": 45}
